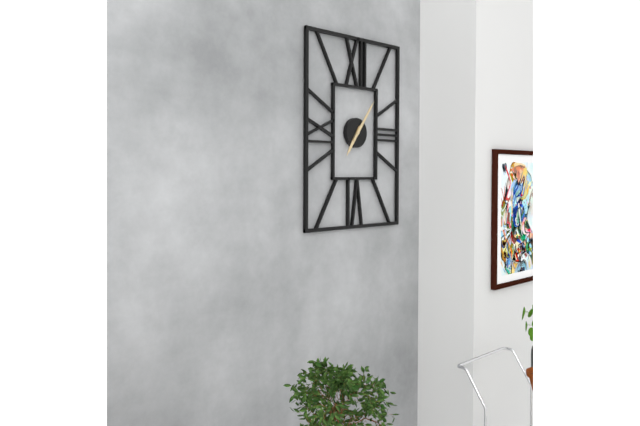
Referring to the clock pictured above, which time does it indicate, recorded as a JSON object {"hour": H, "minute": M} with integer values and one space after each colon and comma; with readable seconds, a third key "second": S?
{"hour": 7, "minute": 6}
